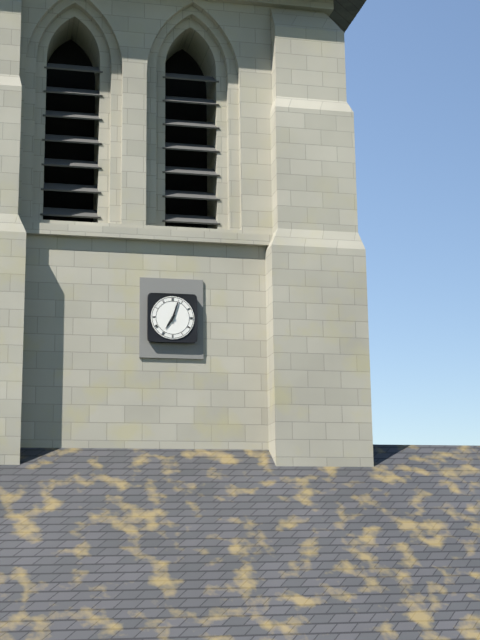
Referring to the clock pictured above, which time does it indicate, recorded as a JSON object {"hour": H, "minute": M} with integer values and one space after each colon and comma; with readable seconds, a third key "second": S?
{"hour": 7, "minute": 3}
